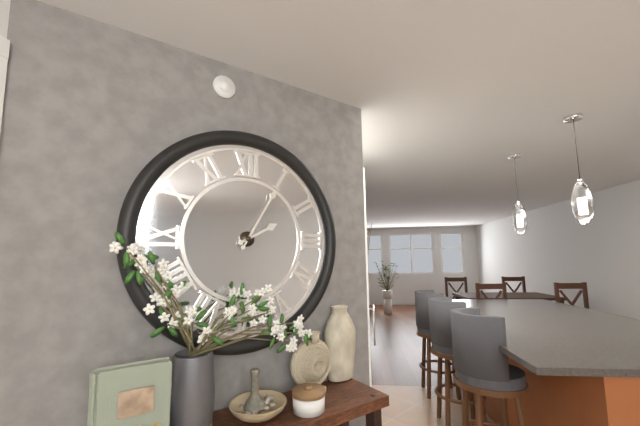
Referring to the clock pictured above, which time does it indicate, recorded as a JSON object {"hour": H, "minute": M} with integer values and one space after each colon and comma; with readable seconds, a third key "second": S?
{"hour": 2, "minute": 5}
